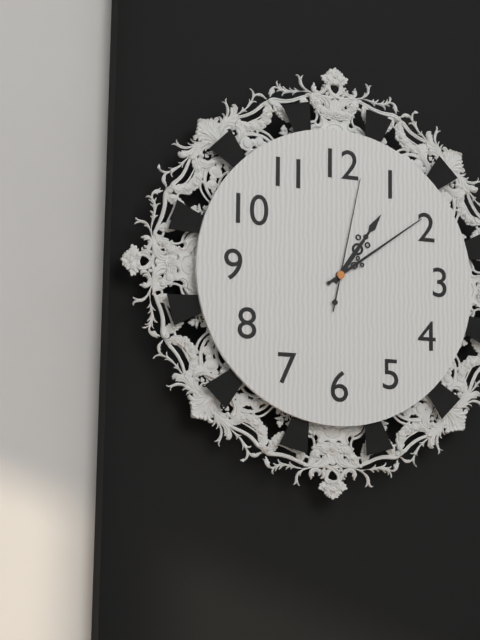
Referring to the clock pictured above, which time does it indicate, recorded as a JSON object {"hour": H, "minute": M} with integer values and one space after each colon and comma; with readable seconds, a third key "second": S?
{"hour": 1, "minute": 9, "second": 2}
